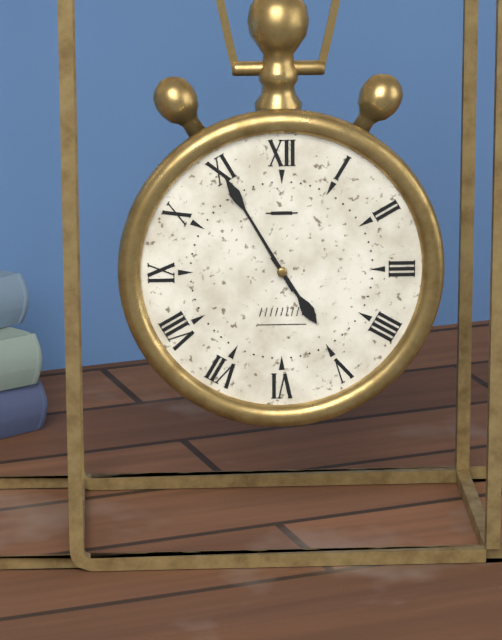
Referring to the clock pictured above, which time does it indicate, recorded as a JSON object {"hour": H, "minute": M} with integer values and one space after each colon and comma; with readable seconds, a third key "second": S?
{"hour": 4, "minute": 55}
